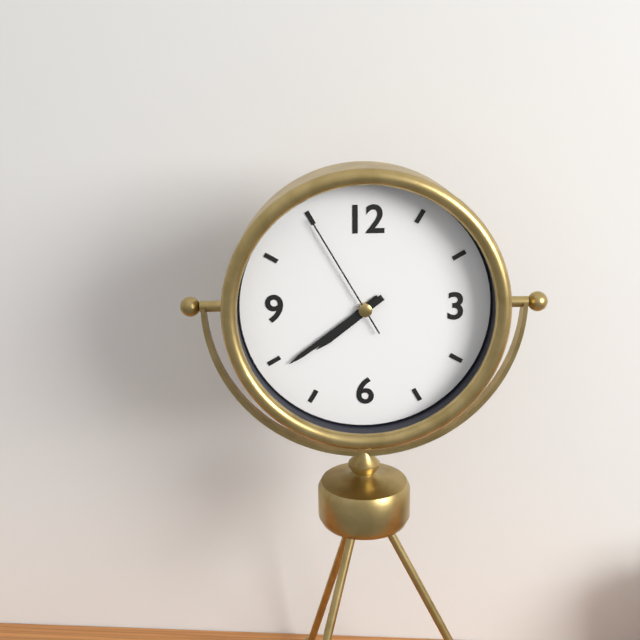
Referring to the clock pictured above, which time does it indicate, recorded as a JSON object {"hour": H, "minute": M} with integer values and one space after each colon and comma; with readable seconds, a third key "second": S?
{"hour": 7, "minute": 39, "second": 55}
